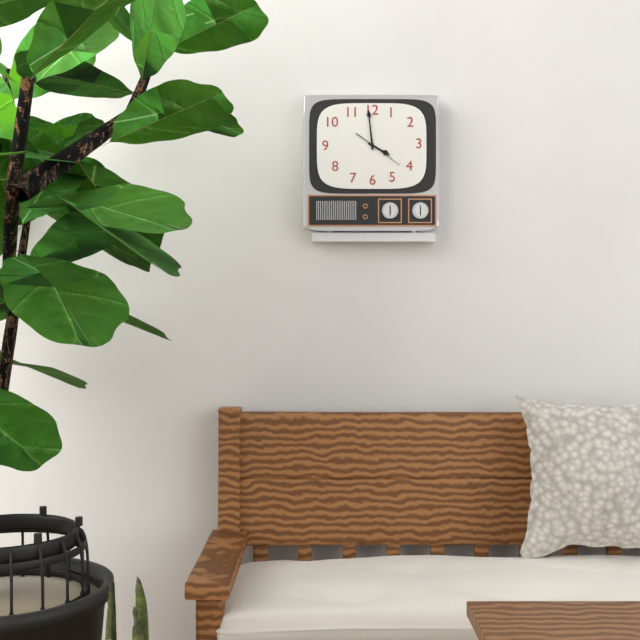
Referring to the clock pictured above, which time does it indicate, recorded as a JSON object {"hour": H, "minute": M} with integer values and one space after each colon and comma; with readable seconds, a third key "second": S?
{"hour": 3, "minute": 59}
